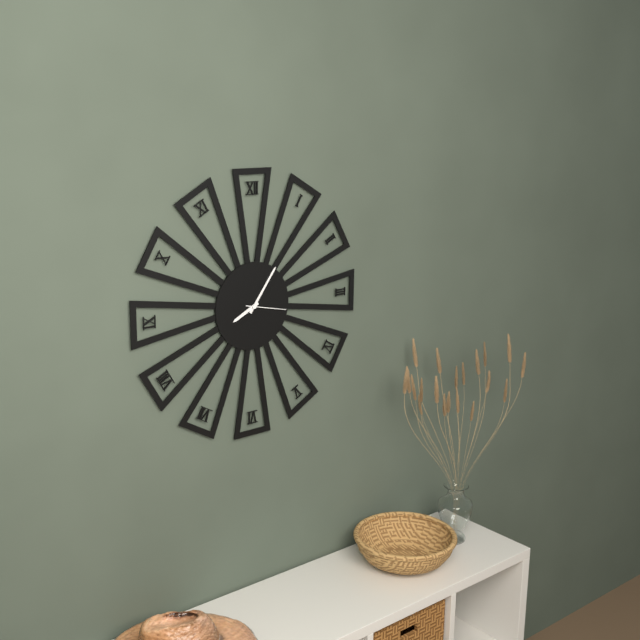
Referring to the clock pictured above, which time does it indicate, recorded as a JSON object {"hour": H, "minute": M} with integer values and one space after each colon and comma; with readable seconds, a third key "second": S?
{"hour": 8, "minute": 6}
